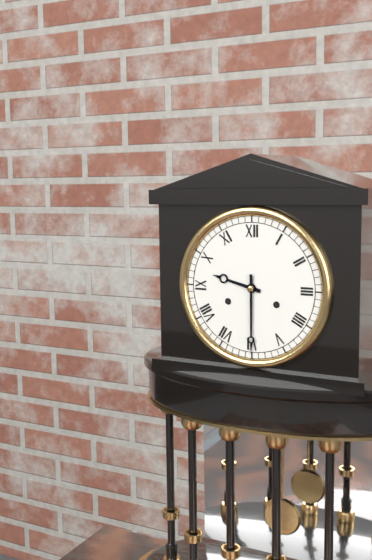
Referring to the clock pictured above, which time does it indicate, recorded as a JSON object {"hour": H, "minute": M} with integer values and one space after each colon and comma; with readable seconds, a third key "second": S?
{"hour": 9, "minute": 30}
